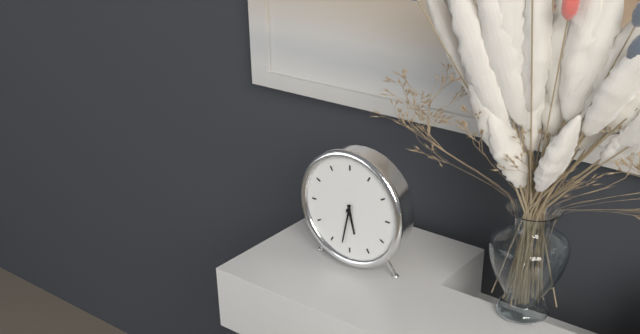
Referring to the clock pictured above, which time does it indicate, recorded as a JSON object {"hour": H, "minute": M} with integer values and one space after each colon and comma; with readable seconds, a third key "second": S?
{"hour": 5, "minute": 32}
